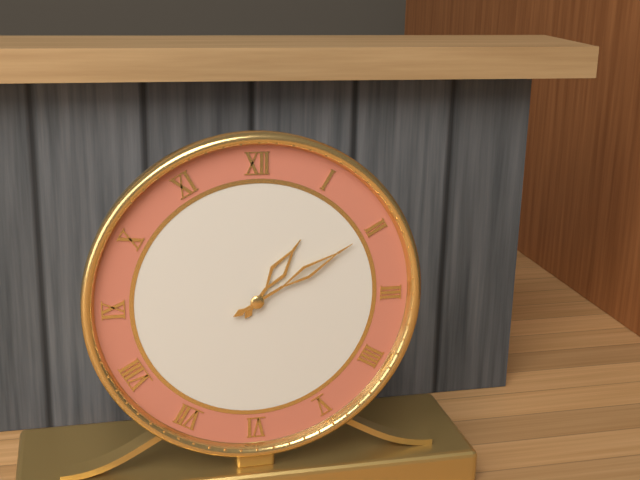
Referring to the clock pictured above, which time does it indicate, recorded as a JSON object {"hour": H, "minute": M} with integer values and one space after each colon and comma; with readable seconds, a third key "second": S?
{"hour": 1, "minute": 10}
